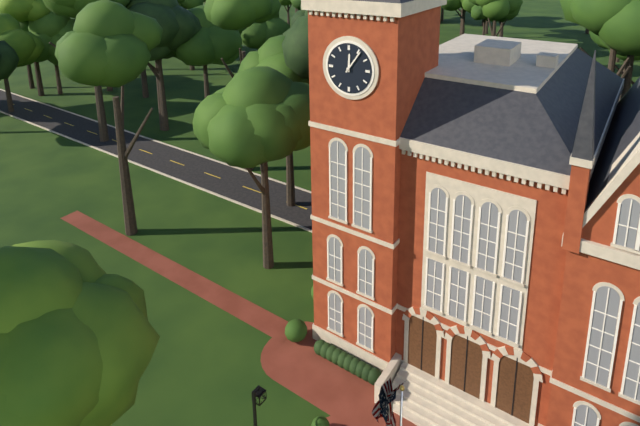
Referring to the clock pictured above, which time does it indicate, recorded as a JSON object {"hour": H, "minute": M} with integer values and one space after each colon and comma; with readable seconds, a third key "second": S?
{"hour": 12, "minute": 6}
